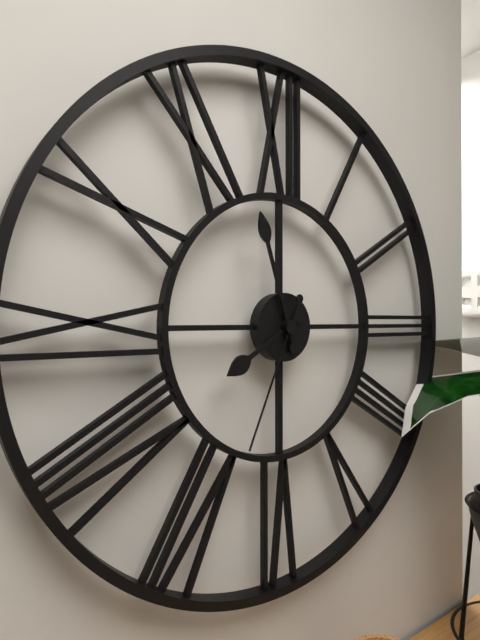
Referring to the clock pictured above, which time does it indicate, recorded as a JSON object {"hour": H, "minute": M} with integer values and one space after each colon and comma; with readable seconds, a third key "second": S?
{"hour": 7, "minute": 57, "second": 34}
